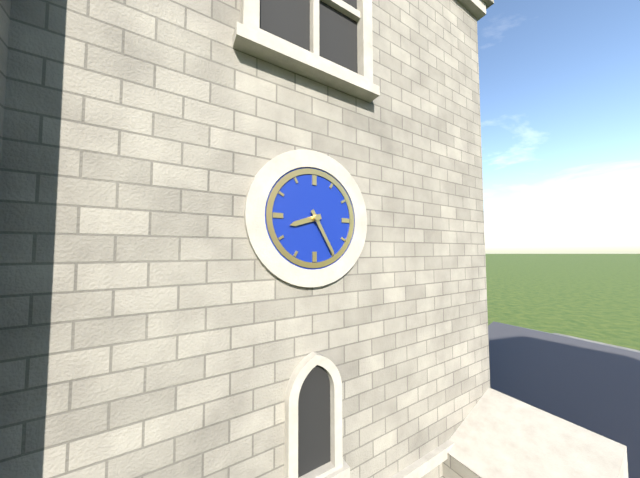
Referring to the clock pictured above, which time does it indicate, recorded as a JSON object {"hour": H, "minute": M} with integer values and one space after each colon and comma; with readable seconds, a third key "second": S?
{"hour": 8, "minute": 25}
